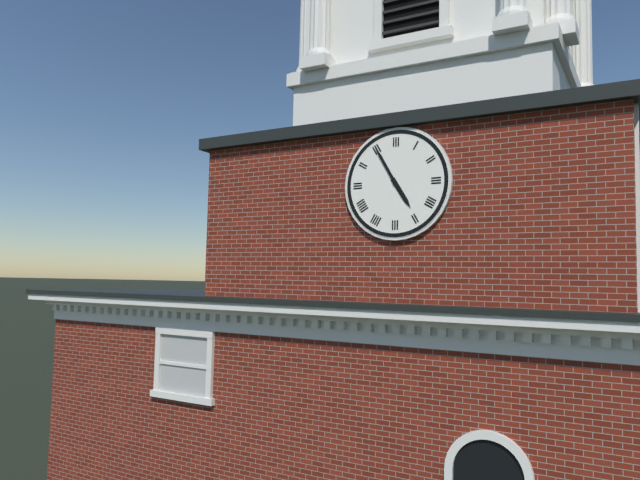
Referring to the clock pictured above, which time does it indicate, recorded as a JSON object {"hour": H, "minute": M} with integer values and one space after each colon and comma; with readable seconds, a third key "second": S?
{"hour": 4, "minute": 55}
